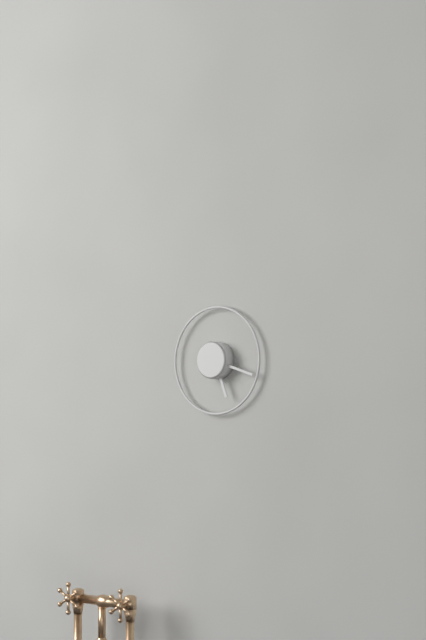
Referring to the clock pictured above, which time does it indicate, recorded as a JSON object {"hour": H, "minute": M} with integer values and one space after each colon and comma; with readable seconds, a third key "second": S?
{"hour": 5, "minute": 18}
